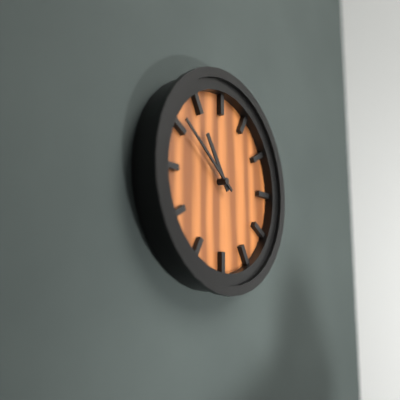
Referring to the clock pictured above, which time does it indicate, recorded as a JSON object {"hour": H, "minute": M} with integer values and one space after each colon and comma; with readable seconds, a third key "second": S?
{"hour": 10, "minute": 51}
